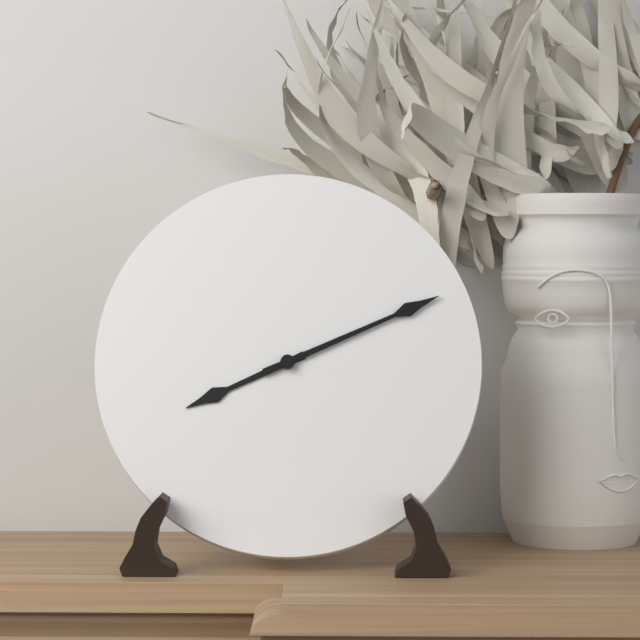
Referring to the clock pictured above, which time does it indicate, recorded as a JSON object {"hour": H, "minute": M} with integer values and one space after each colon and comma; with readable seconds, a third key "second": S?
{"hour": 8, "minute": 11}
